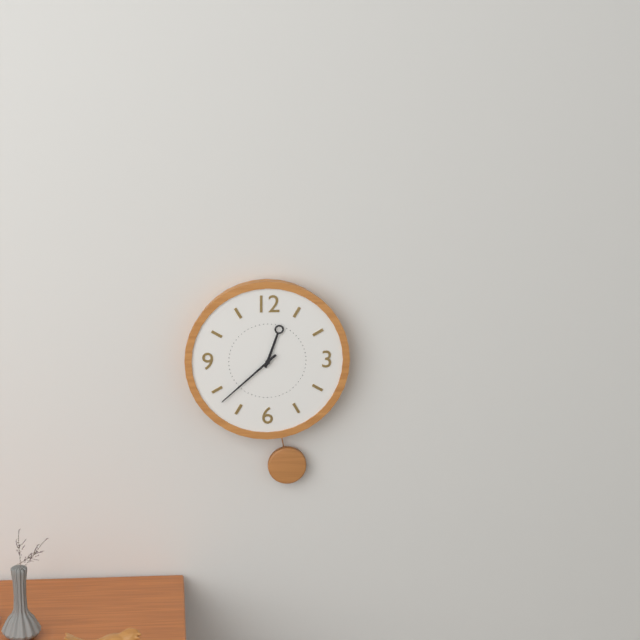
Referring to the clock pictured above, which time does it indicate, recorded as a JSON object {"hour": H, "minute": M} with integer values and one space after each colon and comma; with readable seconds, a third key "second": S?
{"hour": 12, "minute": 38}
